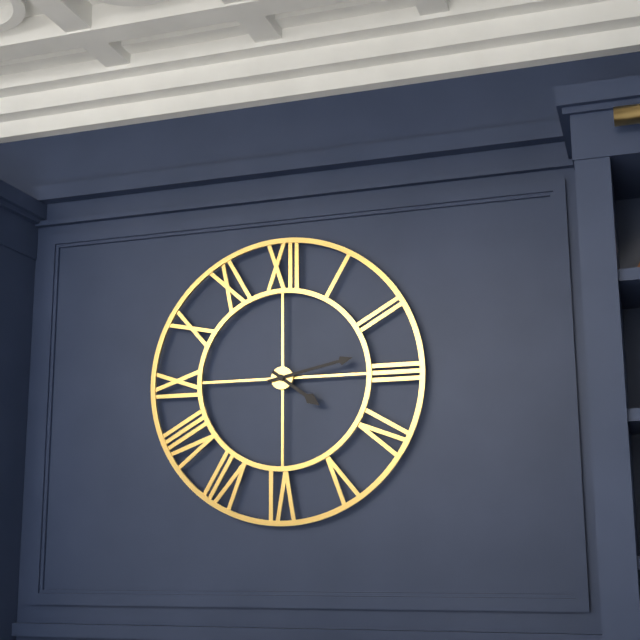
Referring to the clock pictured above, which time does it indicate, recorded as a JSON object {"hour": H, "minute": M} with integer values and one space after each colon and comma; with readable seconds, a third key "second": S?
{"hour": 4, "minute": 13}
